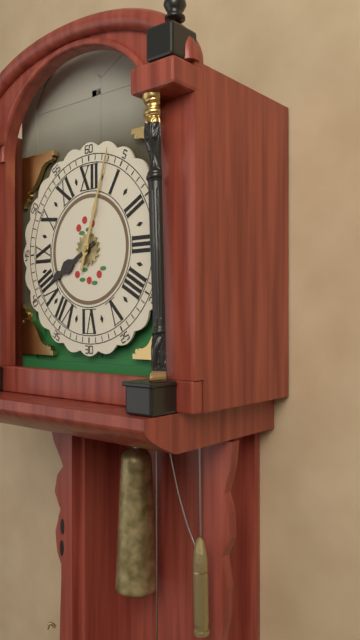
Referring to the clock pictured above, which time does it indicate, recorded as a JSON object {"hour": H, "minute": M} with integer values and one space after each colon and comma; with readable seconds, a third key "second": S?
{"hour": 8, "minute": 3}
